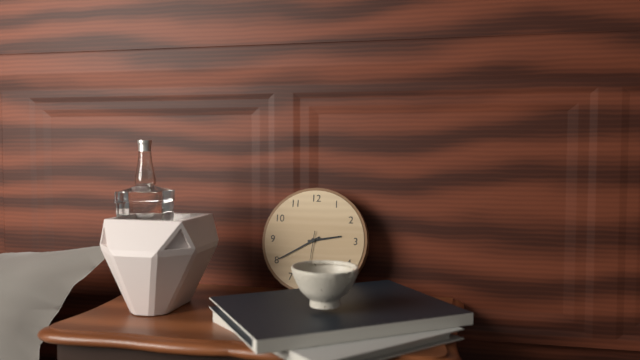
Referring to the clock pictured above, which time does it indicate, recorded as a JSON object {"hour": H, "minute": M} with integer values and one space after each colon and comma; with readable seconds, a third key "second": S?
{"hour": 2, "minute": 40}
